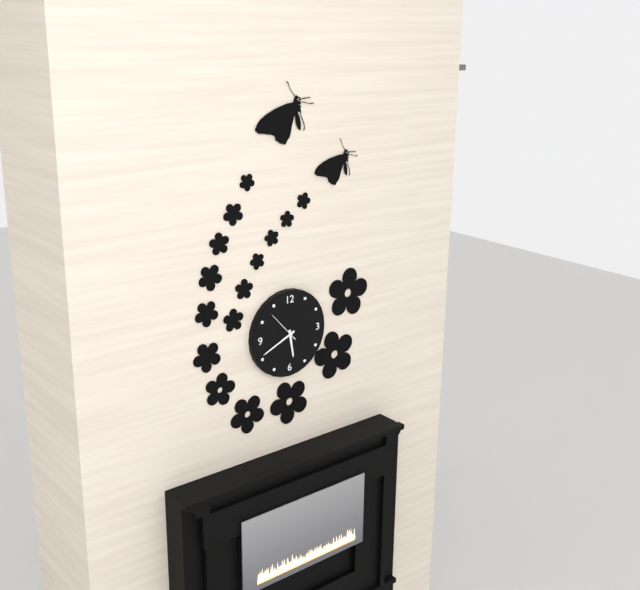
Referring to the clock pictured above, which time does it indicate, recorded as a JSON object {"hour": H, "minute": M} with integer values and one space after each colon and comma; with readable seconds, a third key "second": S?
{"hour": 5, "minute": 41}
